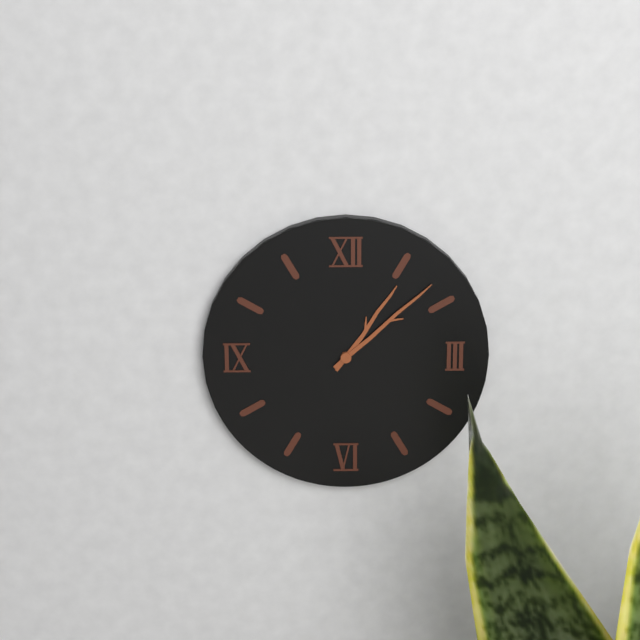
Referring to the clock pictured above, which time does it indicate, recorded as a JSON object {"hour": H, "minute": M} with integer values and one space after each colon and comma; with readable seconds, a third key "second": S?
{"hour": 1, "minute": 8}
